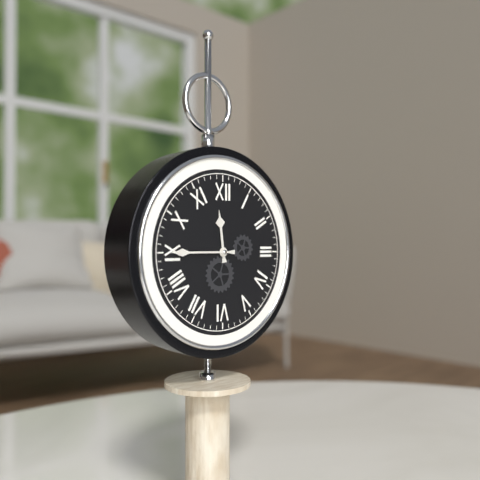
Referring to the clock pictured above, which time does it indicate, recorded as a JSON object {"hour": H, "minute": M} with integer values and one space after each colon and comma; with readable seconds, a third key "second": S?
{"hour": 11, "minute": 45}
